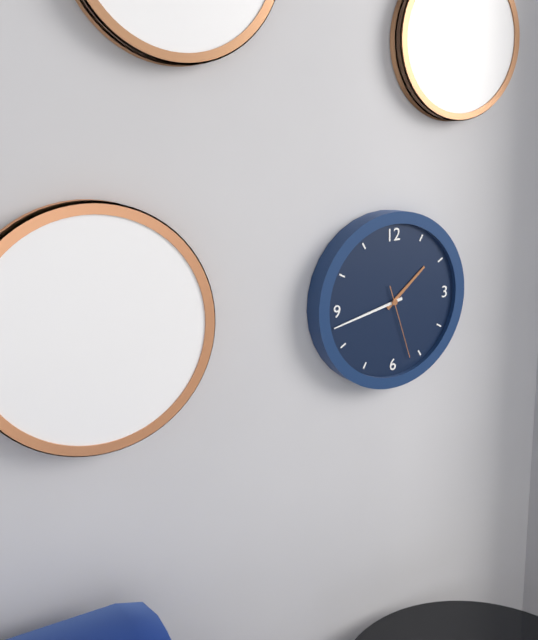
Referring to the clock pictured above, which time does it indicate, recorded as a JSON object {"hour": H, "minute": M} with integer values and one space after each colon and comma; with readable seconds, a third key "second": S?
{"hour": 1, "minute": 43, "second": 27}
